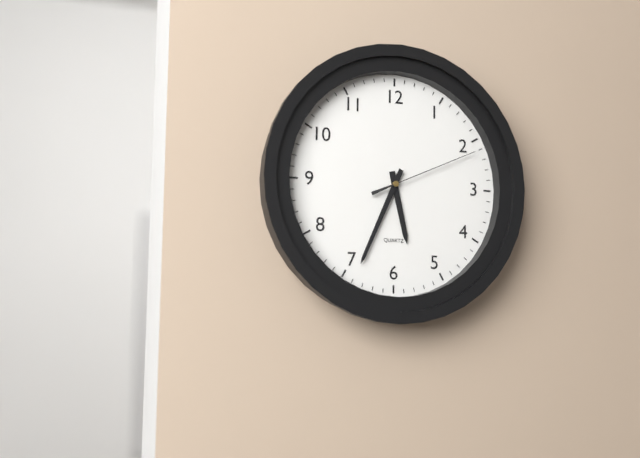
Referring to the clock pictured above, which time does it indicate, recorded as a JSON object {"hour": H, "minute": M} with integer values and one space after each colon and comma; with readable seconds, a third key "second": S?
{"hour": 5, "minute": 34, "second": 11}
